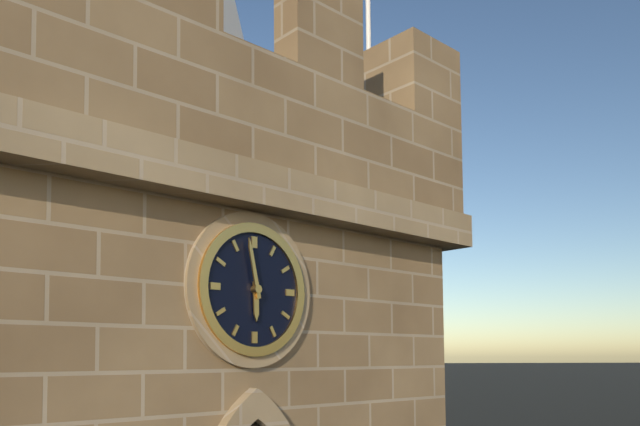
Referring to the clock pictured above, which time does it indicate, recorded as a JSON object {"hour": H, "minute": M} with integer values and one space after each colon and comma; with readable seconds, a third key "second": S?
{"hour": 5, "minute": 58}
